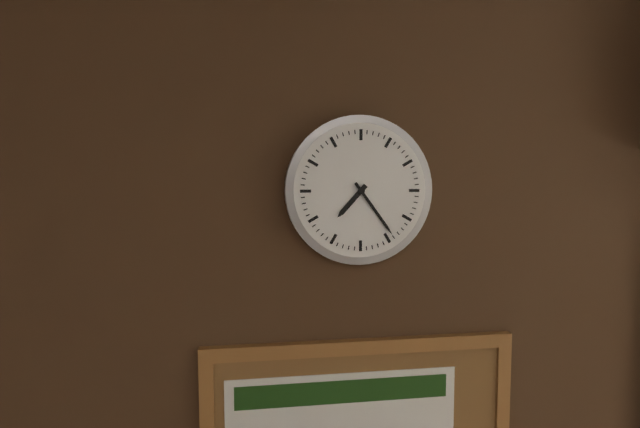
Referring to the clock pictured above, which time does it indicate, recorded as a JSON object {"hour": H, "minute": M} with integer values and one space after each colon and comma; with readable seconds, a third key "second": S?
{"hour": 7, "minute": 24}
